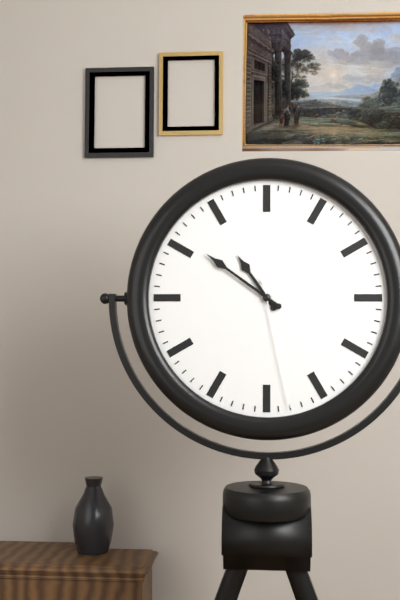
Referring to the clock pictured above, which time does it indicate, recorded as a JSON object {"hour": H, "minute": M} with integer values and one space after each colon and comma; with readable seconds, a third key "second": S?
{"hour": 10, "minute": 51, "second": 28}
